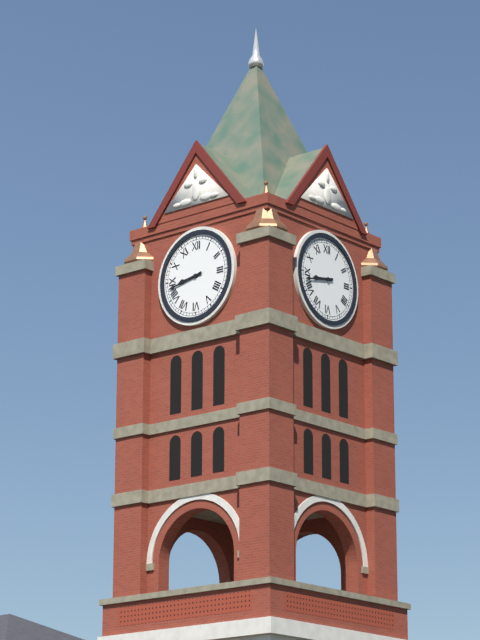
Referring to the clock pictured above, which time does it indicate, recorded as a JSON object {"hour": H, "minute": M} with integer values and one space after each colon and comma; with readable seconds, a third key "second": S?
{"hour": 8, "minute": 43}
